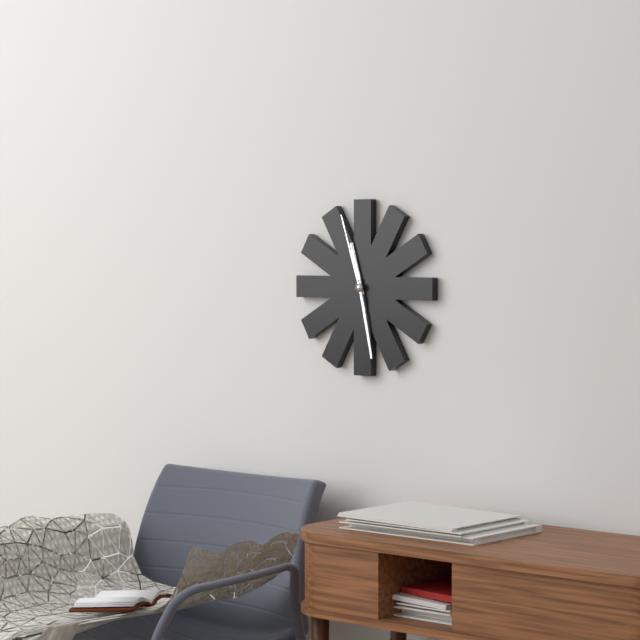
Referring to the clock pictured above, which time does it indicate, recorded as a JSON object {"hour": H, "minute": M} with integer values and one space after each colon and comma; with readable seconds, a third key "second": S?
{"hour": 11, "minute": 28, "second": 57}
